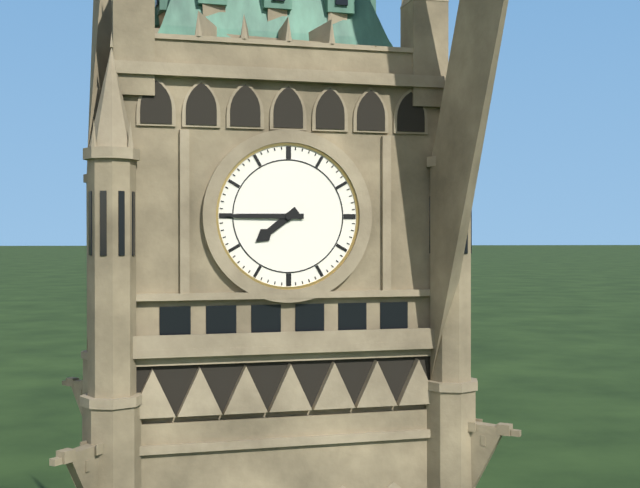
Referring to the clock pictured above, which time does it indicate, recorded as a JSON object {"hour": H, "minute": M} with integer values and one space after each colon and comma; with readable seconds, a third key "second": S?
{"hour": 7, "minute": 45}
